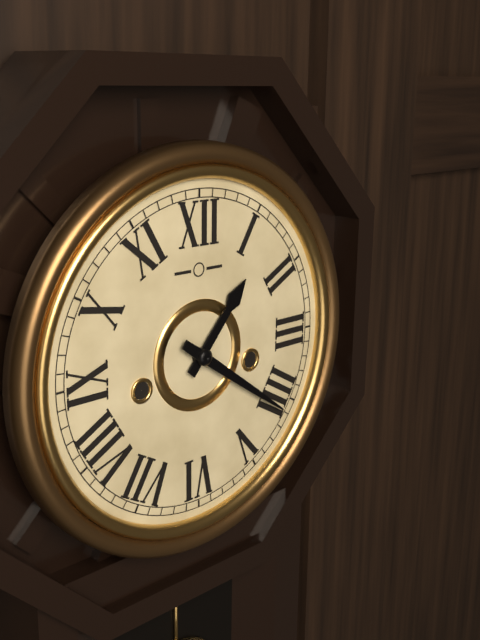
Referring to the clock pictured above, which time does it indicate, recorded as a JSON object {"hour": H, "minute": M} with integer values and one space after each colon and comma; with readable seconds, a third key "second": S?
{"hour": 1, "minute": 21}
